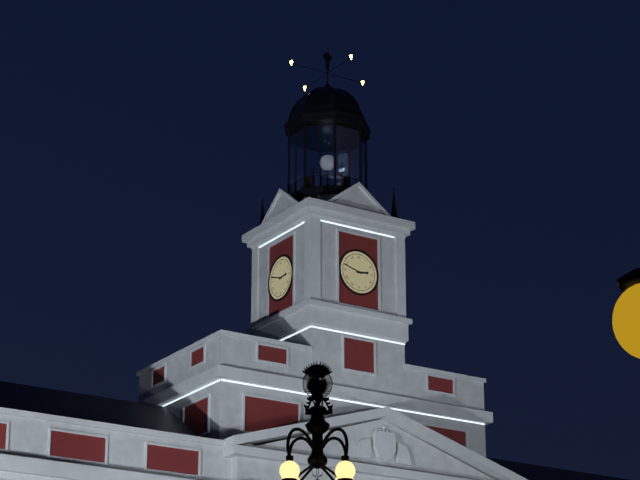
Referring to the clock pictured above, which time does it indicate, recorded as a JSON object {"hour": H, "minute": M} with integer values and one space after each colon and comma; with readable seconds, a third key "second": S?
{"hour": 2, "minute": 48}
